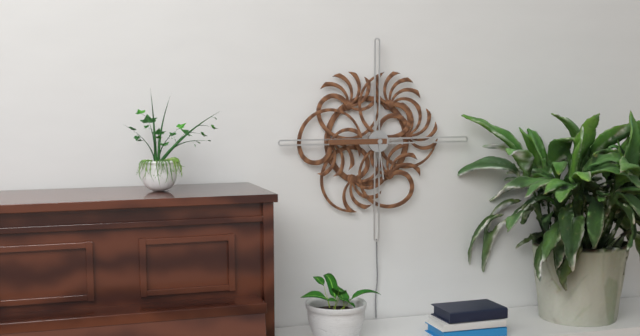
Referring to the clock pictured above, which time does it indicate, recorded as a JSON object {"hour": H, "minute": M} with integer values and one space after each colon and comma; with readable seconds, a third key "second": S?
{"hour": 5, "minute": 45}
